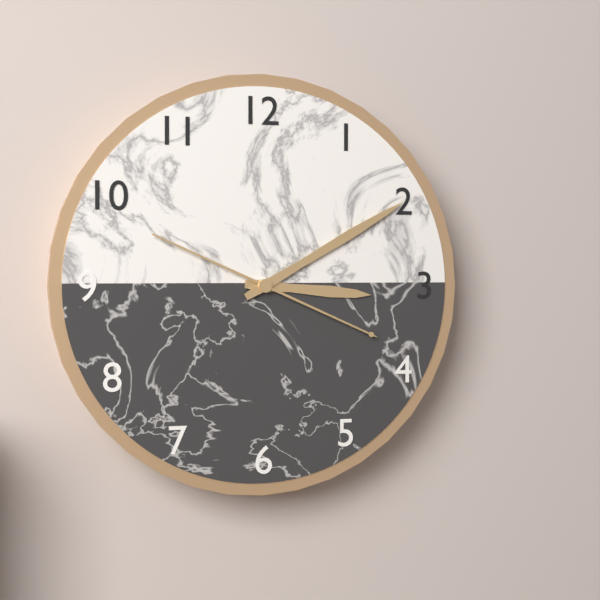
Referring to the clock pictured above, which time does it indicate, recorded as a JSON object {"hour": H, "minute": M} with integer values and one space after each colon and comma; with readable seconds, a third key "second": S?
{"hour": 3, "minute": 10, "second": 19}
